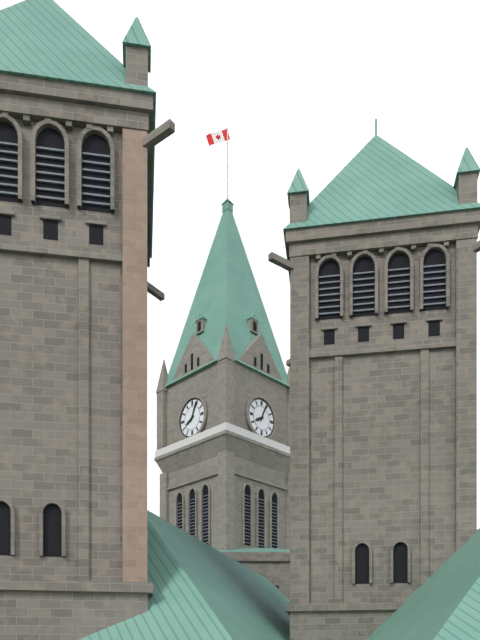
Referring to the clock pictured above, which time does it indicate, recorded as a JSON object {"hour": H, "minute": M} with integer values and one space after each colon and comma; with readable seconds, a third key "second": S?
{"hour": 8, "minute": 4}
